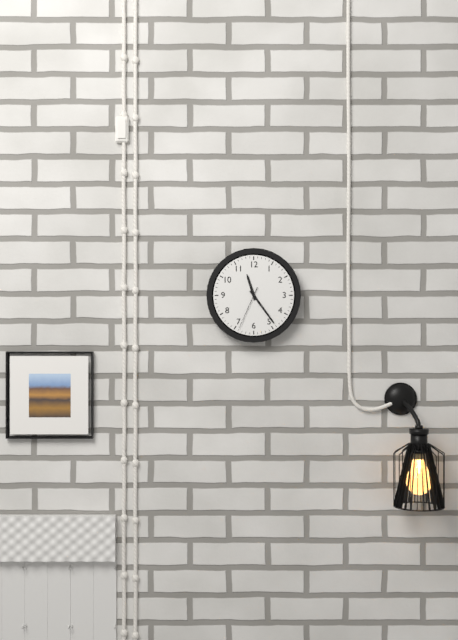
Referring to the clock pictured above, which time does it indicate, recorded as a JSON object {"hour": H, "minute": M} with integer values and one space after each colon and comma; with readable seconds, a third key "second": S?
{"hour": 11, "minute": 24}
